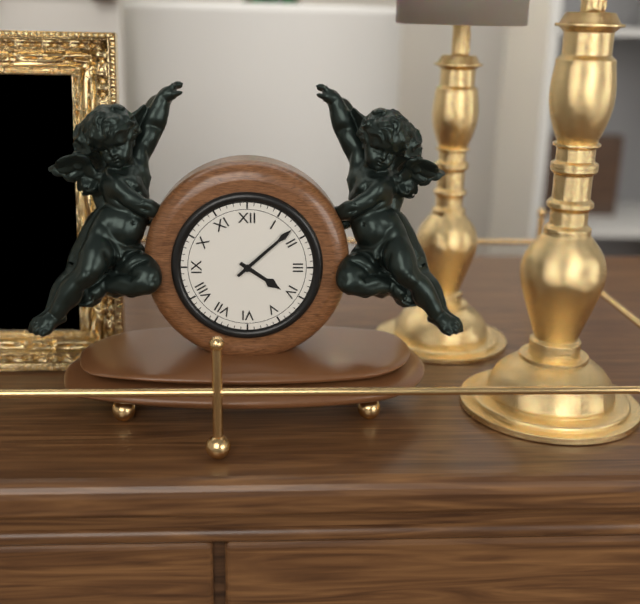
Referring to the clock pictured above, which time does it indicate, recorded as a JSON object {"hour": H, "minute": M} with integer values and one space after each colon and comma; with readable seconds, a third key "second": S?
{"hour": 4, "minute": 8}
